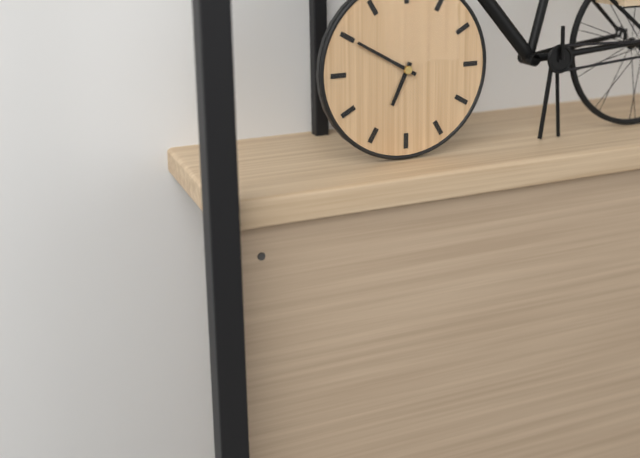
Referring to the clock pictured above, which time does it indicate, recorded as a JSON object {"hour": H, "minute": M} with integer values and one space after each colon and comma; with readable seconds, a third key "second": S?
{"hour": 6, "minute": 50}
